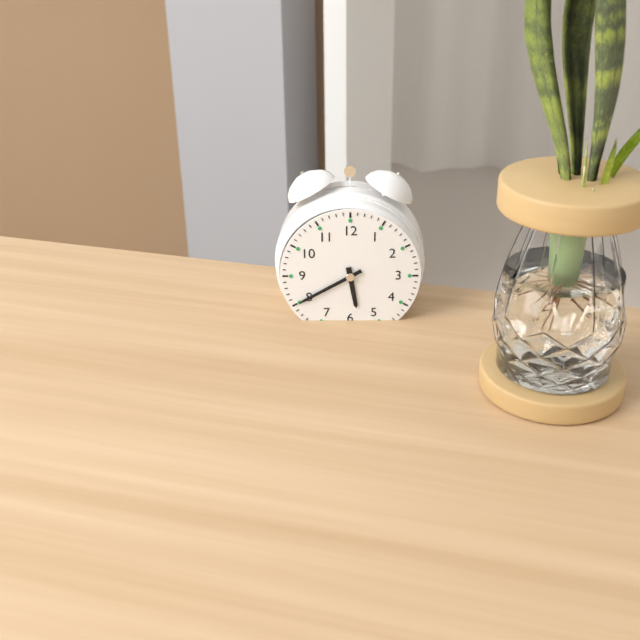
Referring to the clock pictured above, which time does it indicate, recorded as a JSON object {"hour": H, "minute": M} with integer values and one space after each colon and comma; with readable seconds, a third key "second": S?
{"hour": 5, "minute": 40}
